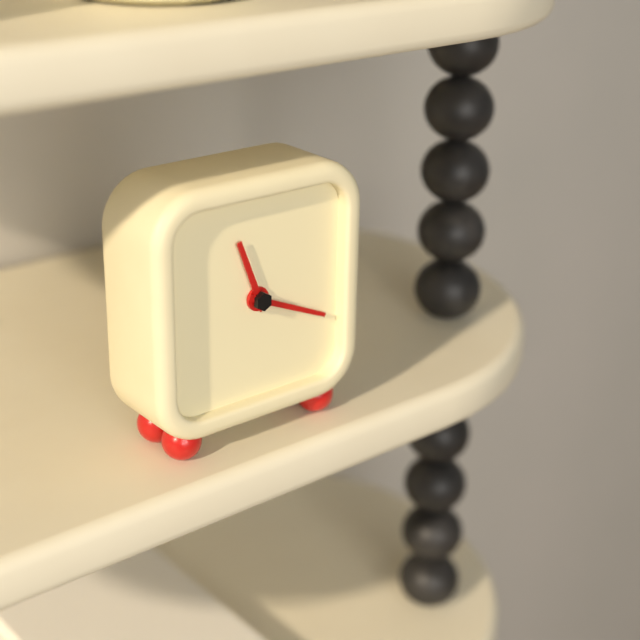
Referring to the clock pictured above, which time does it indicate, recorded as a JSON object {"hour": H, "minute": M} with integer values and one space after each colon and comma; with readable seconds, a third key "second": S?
{"hour": 11, "minute": 19}
